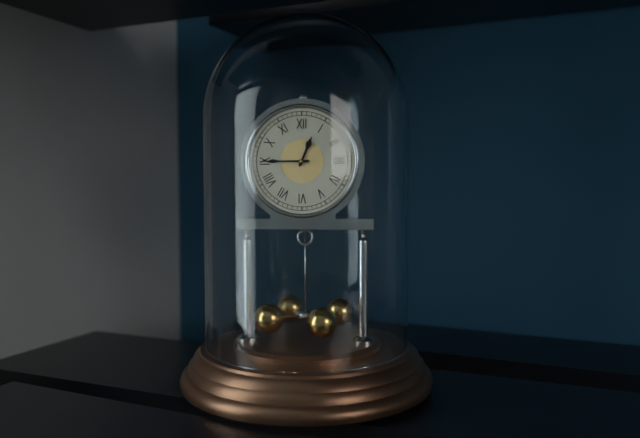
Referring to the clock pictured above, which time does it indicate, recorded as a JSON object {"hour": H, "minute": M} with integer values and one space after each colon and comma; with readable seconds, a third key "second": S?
{"hour": 12, "minute": 45}
